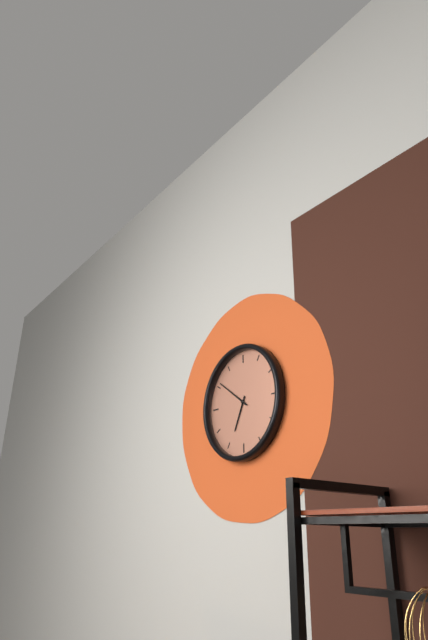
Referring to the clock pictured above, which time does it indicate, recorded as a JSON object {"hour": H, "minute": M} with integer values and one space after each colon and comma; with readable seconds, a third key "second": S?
{"hour": 6, "minute": 51}
